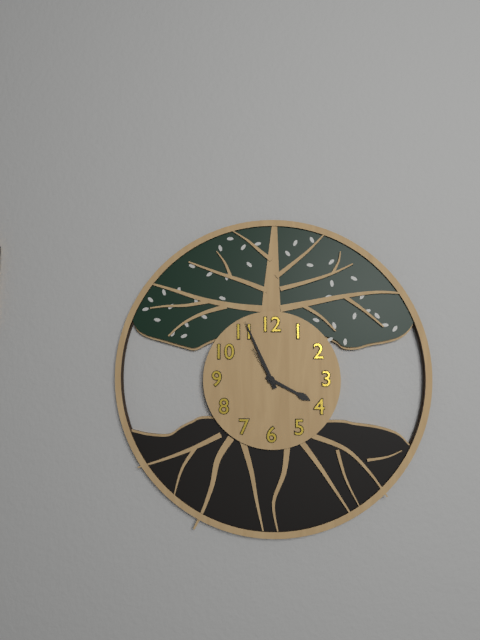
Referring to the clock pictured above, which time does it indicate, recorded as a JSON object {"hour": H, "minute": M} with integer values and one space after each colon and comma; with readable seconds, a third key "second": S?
{"hour": 3, "minute": 56}
